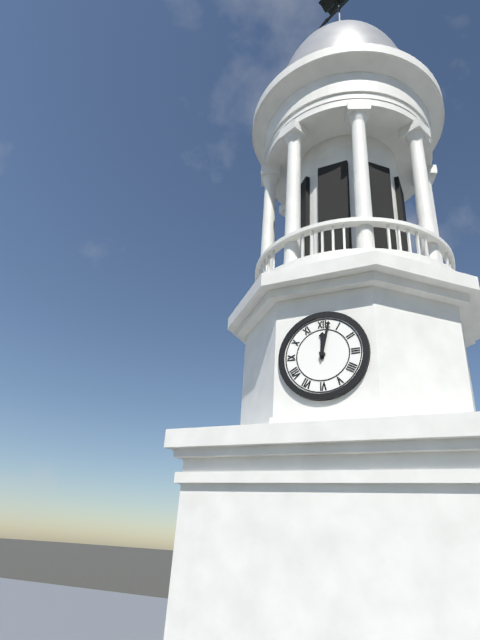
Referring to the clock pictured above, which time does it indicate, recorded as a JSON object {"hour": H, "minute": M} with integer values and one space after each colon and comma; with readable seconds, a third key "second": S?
{"hour": 12, "minute": 2}
